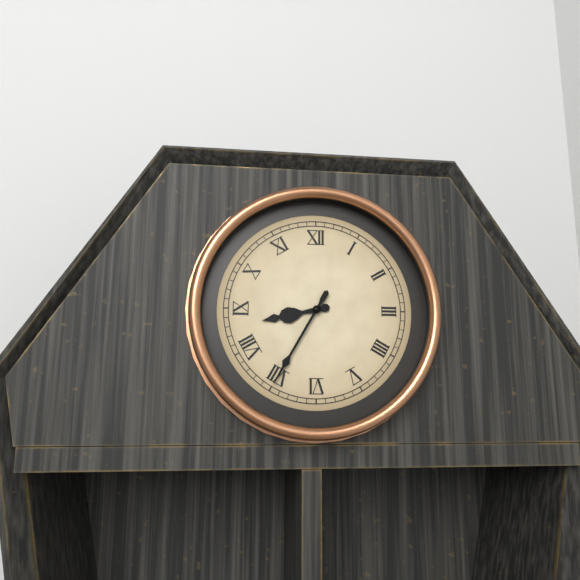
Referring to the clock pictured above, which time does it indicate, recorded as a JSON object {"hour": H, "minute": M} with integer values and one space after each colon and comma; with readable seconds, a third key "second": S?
{"hour": 8, "minute": 35}
